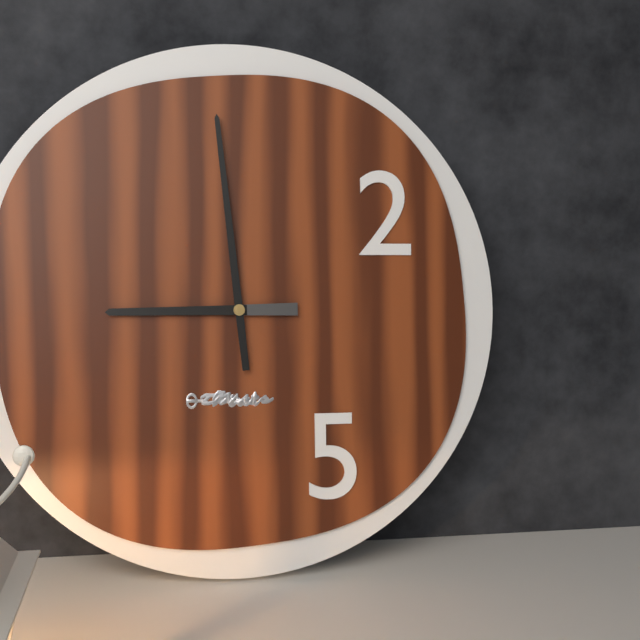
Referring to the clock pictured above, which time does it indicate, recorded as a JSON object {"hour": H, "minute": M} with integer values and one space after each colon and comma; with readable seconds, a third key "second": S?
{"hour": 8, "minute": 59}
